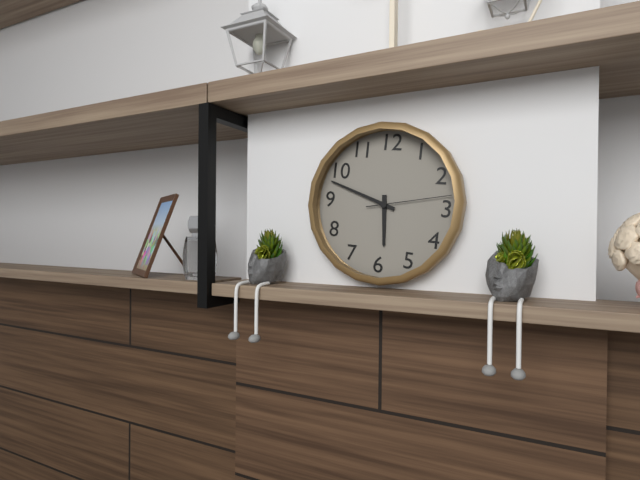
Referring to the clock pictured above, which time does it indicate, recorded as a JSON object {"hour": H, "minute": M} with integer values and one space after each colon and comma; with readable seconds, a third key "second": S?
{"hour": 5, "minute": 48, "second": 13}
